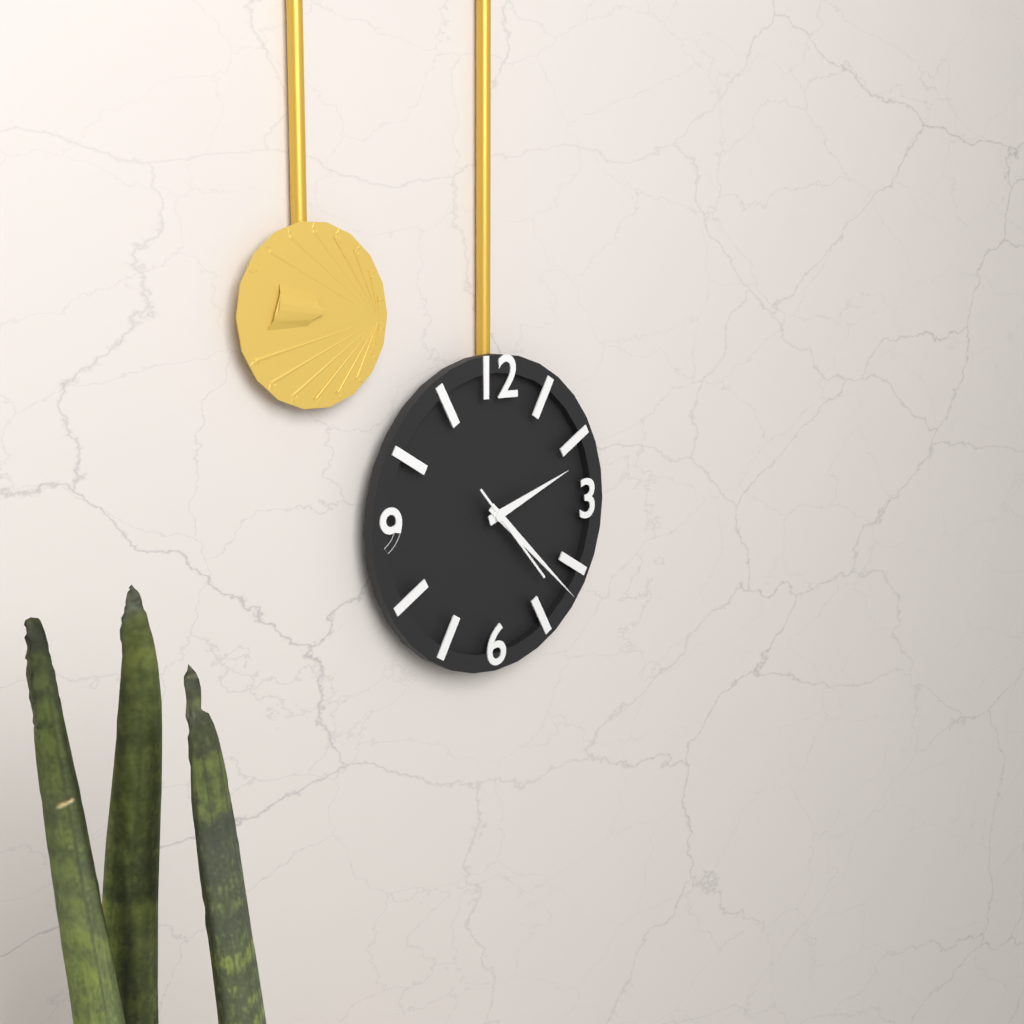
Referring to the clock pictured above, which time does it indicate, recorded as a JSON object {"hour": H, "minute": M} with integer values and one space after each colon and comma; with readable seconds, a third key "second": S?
{"hour": 2, "minute": 22, "second": 23}
